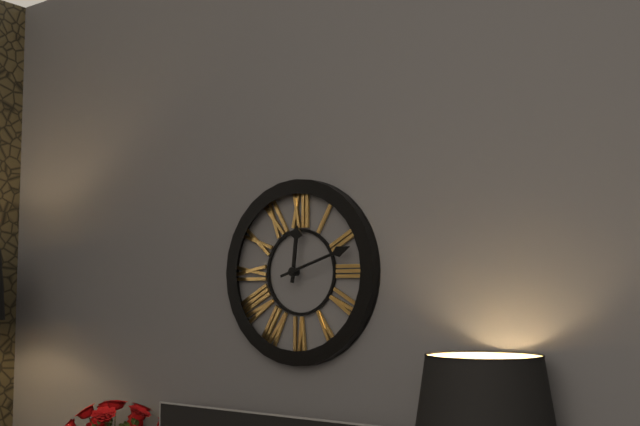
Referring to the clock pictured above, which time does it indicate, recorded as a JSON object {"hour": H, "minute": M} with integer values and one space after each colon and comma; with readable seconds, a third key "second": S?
{"hour": 12, "minute": 12}
